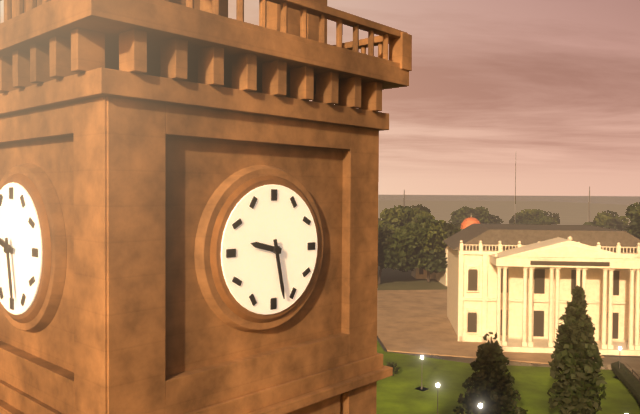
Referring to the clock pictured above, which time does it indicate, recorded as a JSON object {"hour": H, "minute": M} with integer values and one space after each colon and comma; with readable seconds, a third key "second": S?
{"hour": 9, "minute": 28}
